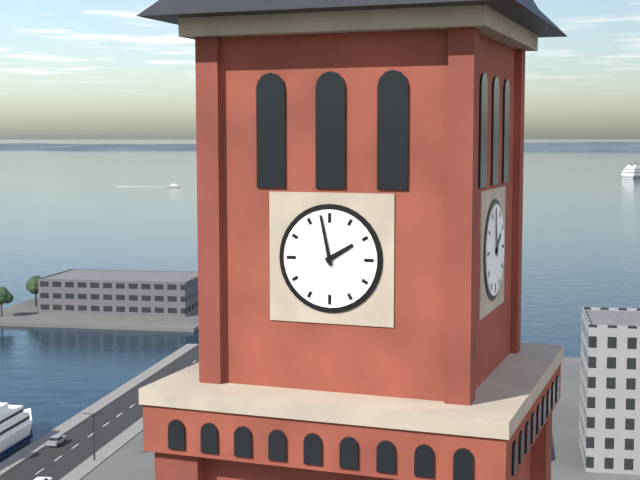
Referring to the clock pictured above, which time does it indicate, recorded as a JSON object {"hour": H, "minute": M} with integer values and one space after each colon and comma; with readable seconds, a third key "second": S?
{"hour": 1, "minute": 58}
